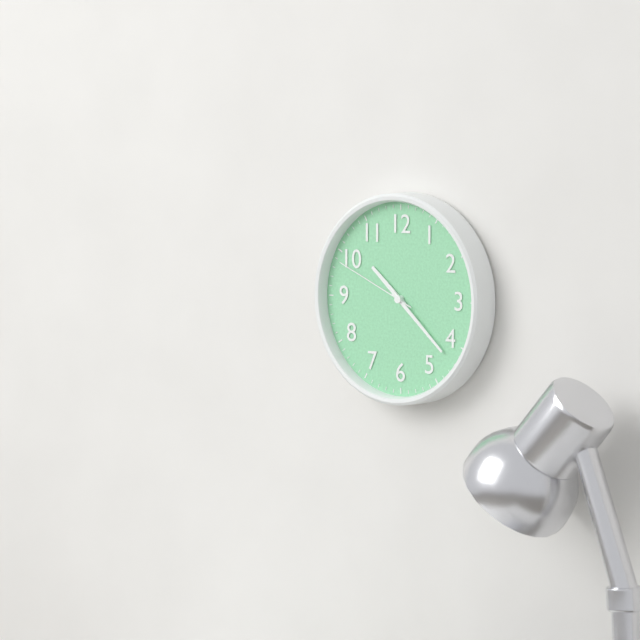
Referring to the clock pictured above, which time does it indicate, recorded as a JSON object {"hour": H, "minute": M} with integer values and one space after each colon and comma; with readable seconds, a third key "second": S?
{"hour": 10, "minute": 22, "second": 49}
